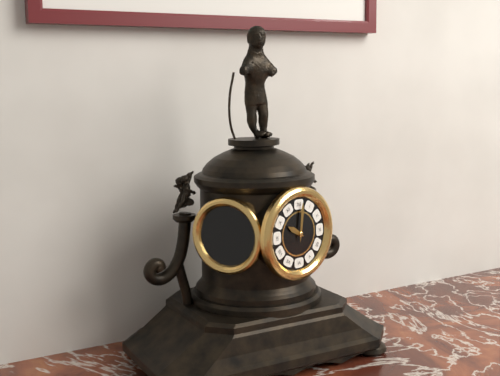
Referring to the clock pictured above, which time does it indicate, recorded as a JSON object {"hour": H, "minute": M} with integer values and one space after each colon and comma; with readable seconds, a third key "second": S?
{"hour": 10, "minute": 1}
